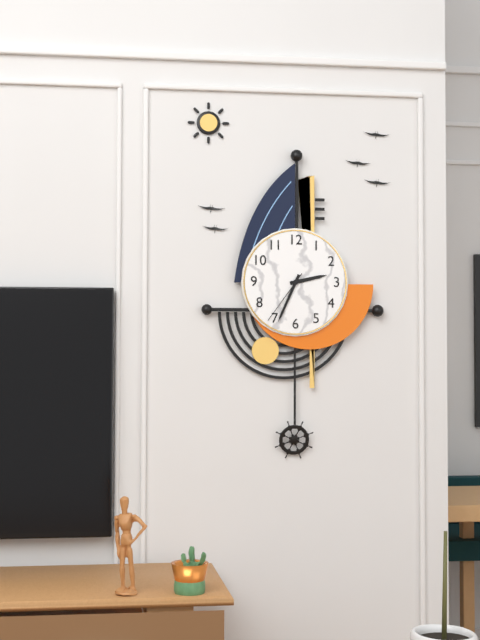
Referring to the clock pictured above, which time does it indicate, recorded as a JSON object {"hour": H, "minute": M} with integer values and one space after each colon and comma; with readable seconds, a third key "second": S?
{"hour": 2, "minute": 34, "second": 36}
